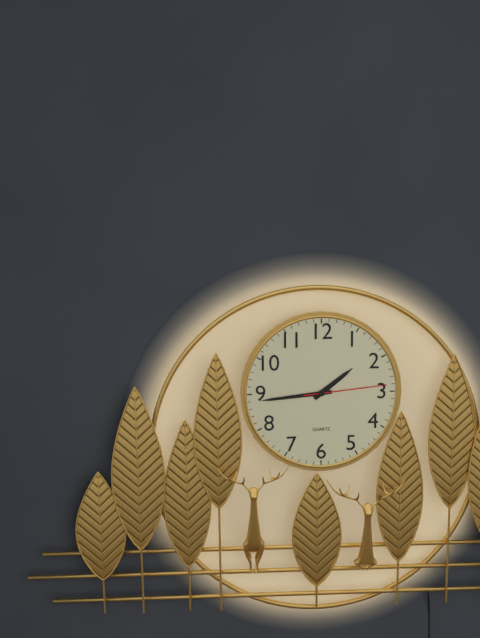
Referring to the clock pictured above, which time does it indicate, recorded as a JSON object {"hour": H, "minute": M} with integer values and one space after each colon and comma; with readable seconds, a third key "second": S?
{"hour": 1, "minute": 44, "second": 14}
